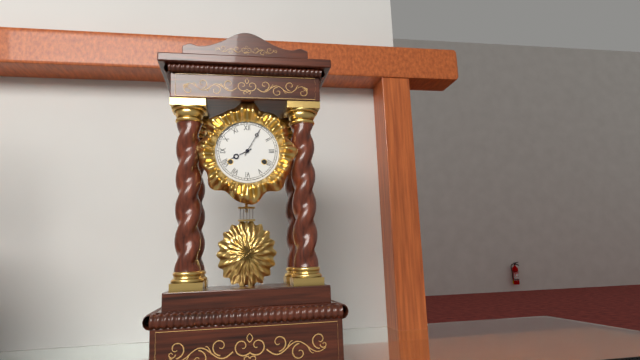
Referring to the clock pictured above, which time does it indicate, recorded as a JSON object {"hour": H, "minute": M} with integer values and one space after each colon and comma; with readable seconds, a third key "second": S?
{"hour": 8, "minute": 5}
